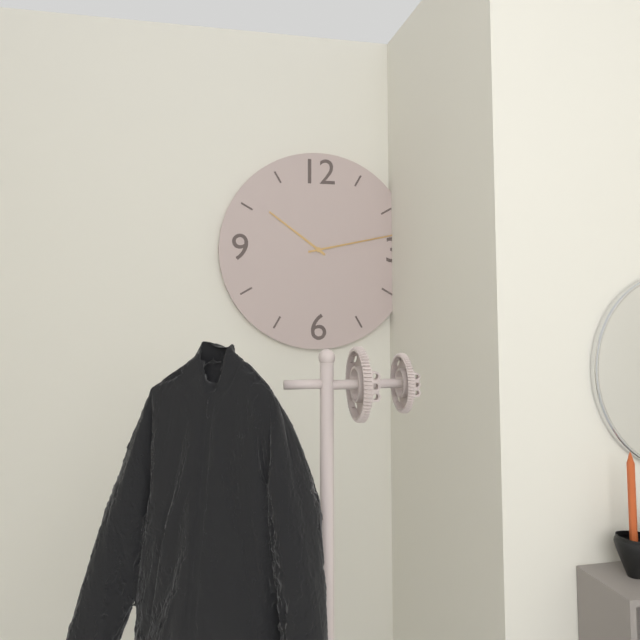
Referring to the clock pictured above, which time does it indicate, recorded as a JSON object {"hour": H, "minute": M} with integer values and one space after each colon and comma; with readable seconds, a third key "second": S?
{"hour": 10, "minute": 13}
